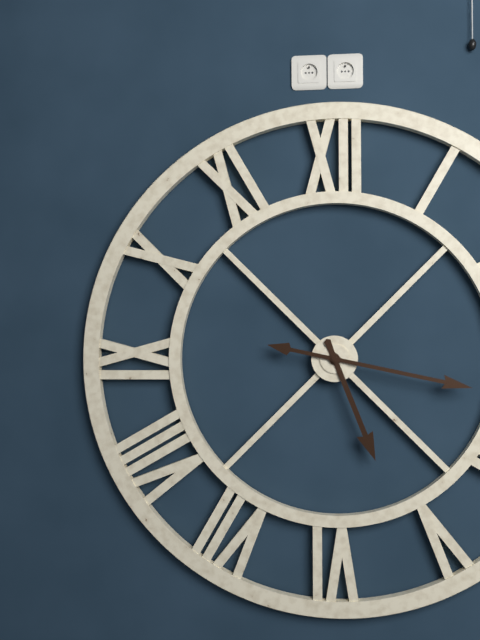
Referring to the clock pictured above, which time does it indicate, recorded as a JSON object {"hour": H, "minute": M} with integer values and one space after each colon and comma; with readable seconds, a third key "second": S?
{"hour": 5, "minute": 17}
